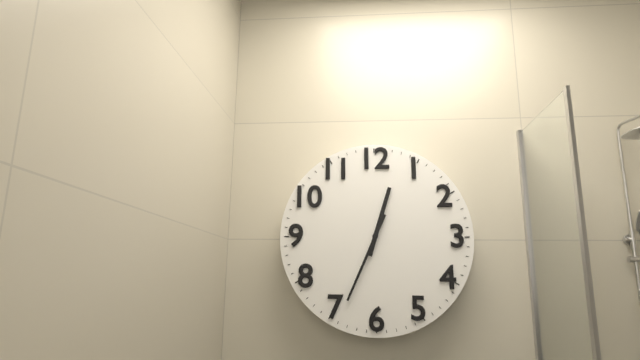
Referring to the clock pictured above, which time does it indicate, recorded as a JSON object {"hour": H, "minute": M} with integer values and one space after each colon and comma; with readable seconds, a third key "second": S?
{"hour": 12, "minute": 34}
